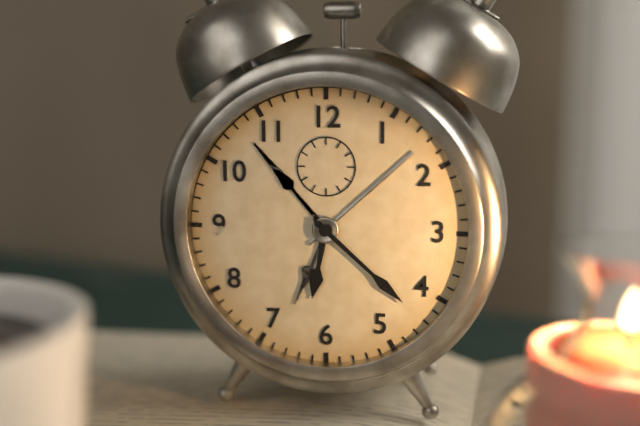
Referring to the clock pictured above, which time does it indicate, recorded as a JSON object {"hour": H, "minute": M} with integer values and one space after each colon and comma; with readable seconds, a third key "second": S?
{"hour": 6, "minute": 22}
